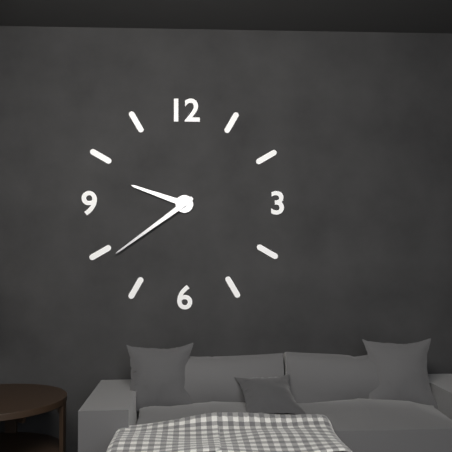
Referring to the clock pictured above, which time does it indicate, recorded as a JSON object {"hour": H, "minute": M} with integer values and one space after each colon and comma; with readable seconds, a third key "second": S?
{"hour": 9, "minute": 39}
